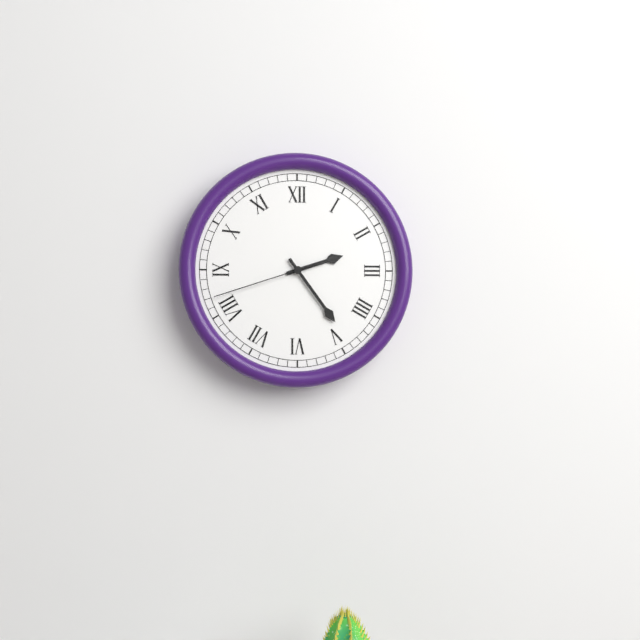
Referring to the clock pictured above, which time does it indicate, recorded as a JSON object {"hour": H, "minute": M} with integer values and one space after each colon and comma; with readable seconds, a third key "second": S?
{"hour": 2, "minute": 24, "second": 42}
